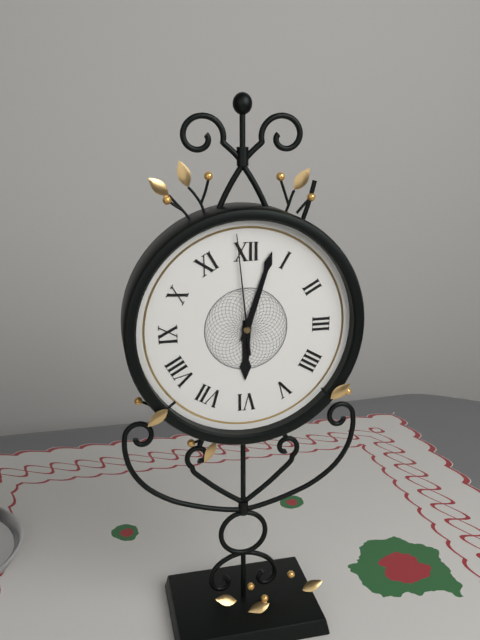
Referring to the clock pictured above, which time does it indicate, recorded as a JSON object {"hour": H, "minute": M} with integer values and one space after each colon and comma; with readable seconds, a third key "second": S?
{"hour": 6, "minute": 3, "second": 59}
